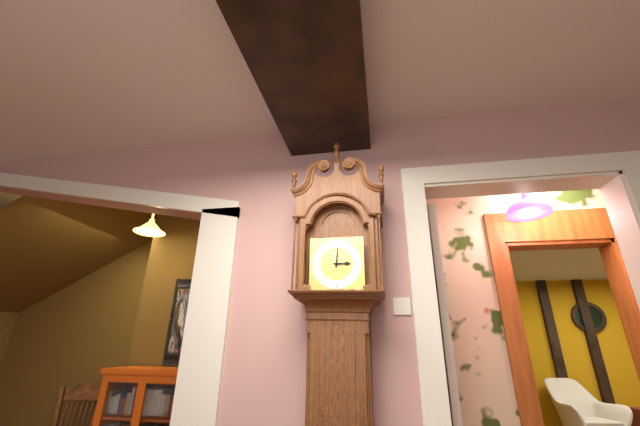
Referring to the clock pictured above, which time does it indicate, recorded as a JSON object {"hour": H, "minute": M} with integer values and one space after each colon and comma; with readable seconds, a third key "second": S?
{"hour": 3, "minute": 1}
